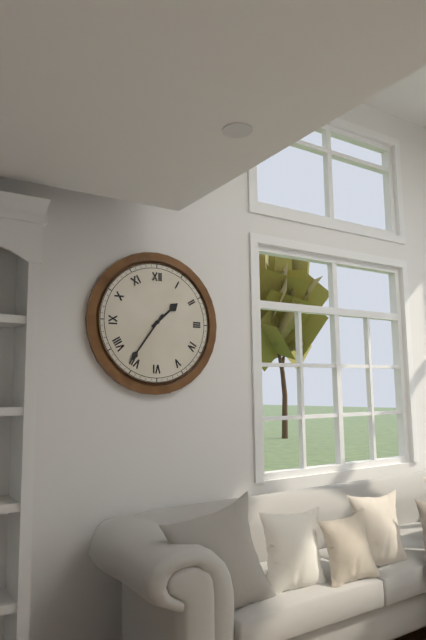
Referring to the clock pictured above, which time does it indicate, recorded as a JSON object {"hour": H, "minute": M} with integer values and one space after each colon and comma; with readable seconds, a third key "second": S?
{"hour": 1, "minute": 36}
